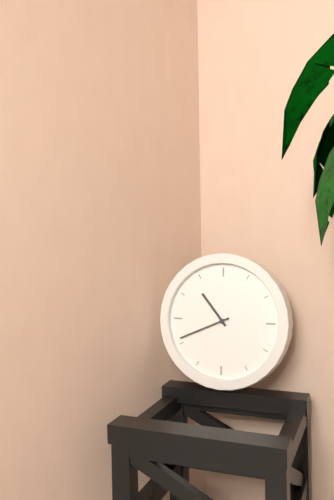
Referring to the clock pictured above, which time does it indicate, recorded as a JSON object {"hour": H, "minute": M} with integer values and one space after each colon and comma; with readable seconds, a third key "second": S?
{"hour": 10, "minute": 41}
